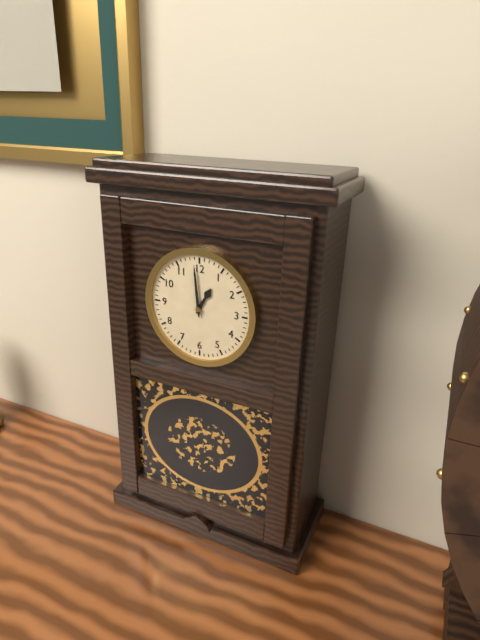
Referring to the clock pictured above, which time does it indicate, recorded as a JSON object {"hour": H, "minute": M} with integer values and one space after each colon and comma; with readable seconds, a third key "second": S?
{"hour": 12, "minute": 59}
